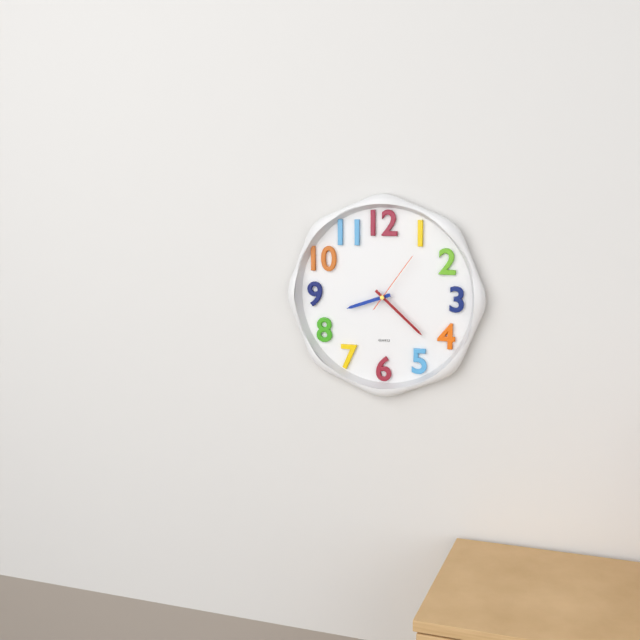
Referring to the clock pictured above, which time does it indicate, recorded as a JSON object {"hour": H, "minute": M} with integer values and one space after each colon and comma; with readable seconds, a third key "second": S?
{"hour": 8, "minute": 22, "second": 6}
